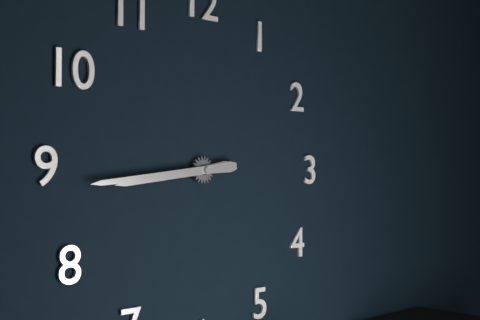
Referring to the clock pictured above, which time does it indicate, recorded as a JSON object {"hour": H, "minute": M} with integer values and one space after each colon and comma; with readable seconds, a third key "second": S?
{"hour": 8, "minute": 44}
